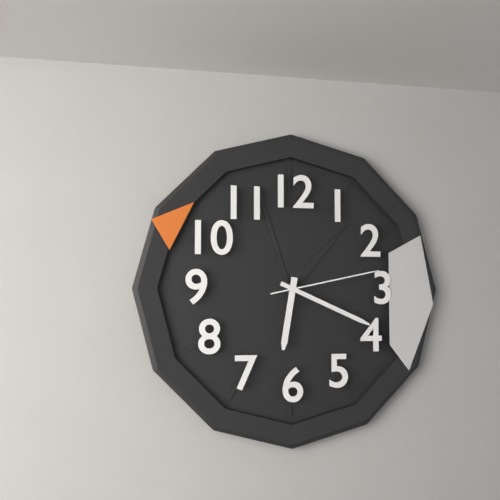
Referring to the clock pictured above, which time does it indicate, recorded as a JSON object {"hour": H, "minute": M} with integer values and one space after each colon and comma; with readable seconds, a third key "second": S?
{"hour": 6, "minute": 19, "second": 13}
